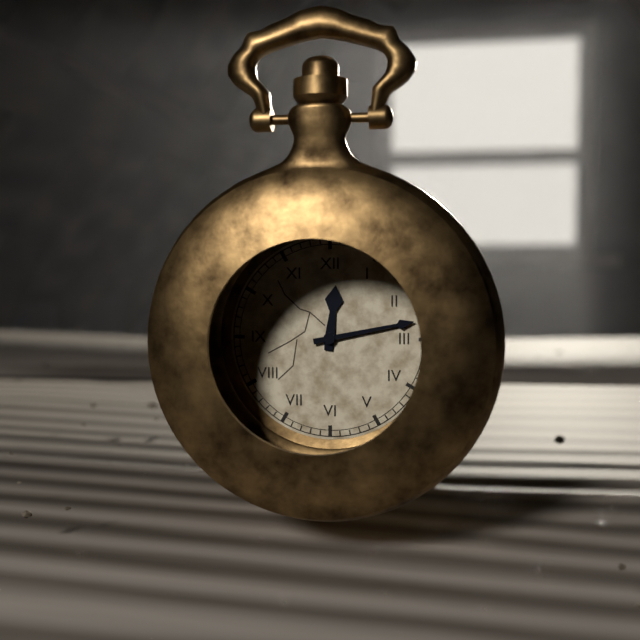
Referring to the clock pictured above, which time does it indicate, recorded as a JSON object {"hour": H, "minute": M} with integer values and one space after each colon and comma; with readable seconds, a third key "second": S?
{"hour": 12, "minute": 13}
